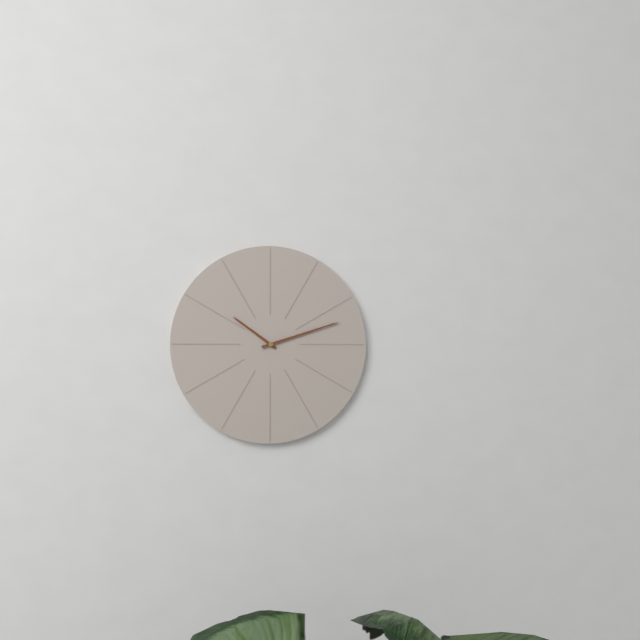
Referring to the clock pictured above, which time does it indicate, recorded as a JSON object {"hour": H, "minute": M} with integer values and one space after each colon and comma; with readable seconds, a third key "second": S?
{"hour": 10, "minute": 12}
